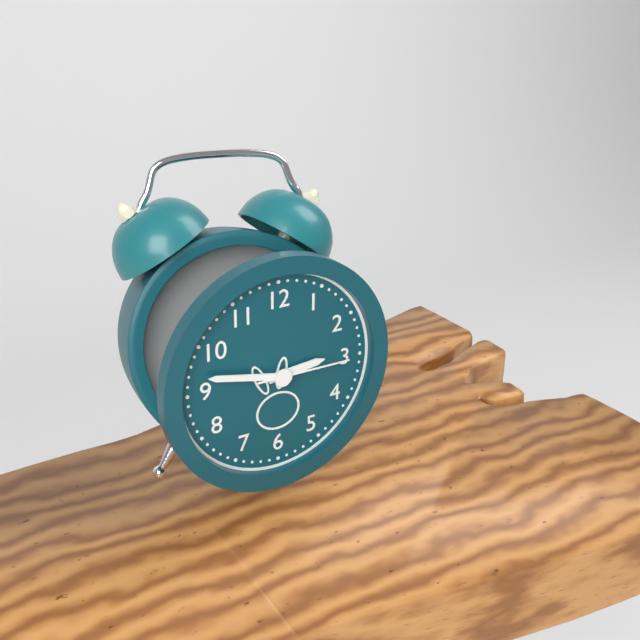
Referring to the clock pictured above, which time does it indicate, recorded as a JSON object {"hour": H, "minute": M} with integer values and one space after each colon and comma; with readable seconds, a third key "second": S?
{"hour": 2, "minute": 47, "second": 15}
